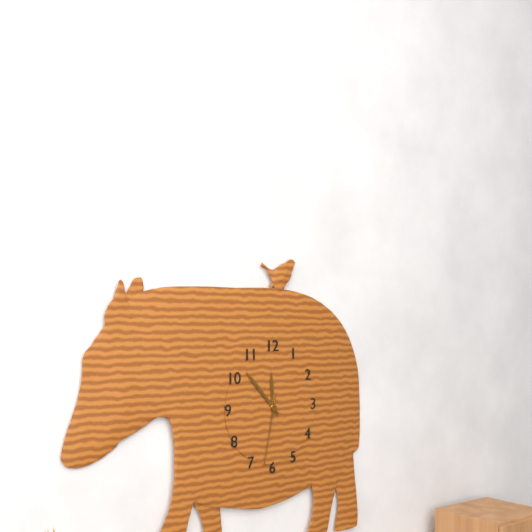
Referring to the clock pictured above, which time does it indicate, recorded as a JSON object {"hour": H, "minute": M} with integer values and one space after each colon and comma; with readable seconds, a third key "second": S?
{"hour": 11, "minute": 53, "second": 32}
